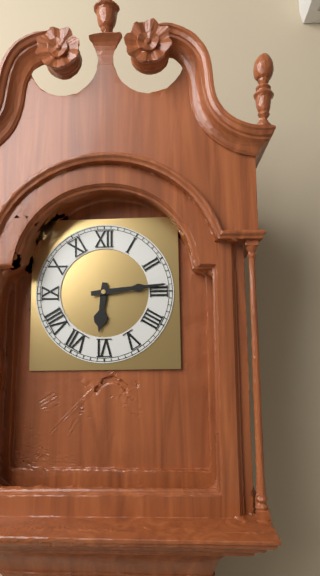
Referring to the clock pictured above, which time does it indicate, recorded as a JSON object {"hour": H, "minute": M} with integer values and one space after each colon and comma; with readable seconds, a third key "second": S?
{"hour": 6, "minute": 14}
